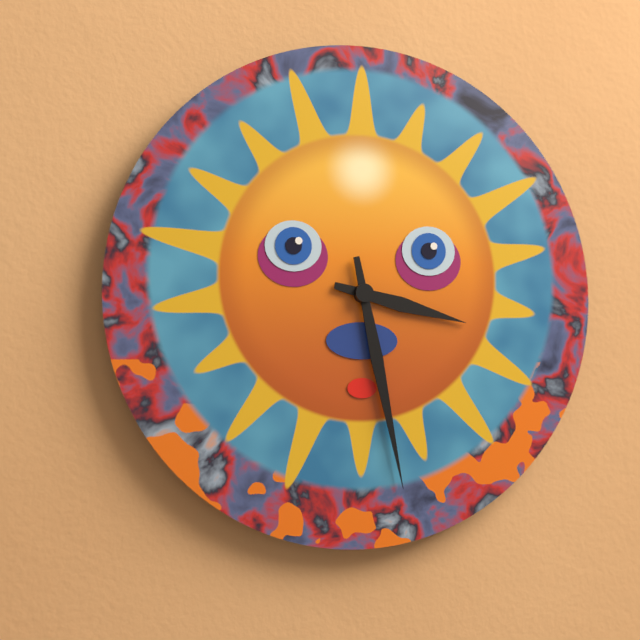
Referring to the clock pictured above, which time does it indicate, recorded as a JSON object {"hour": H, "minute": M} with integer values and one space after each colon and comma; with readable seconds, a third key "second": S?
{"hour": 3, "minute": 28}
